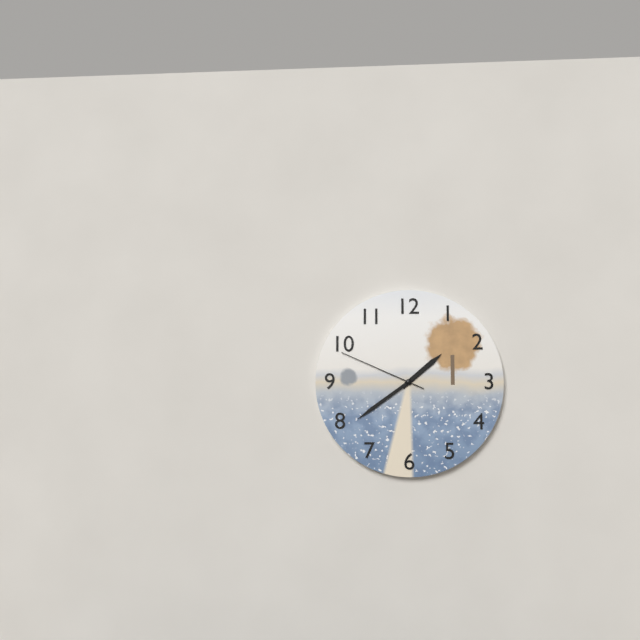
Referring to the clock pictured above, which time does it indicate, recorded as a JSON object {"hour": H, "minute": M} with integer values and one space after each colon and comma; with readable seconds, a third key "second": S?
{"hour": 1, "minute": 39, "second": 49}
